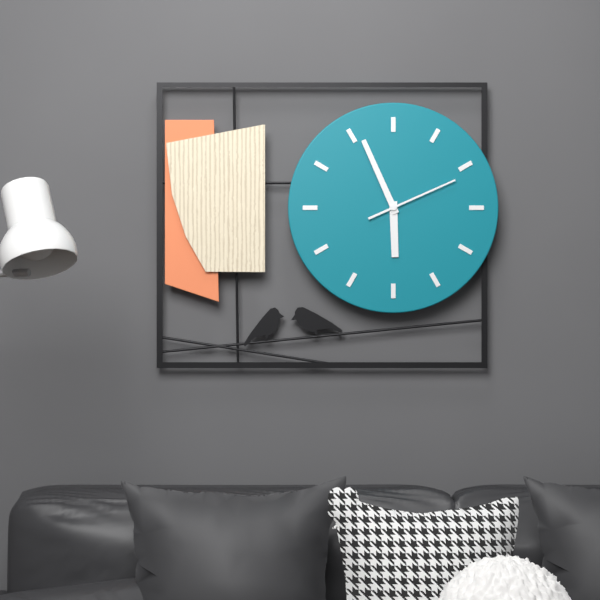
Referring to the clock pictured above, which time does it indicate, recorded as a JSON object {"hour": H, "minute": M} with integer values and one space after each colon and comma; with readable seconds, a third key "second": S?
{"hour": 5, "minute": 56, "second": 11}
